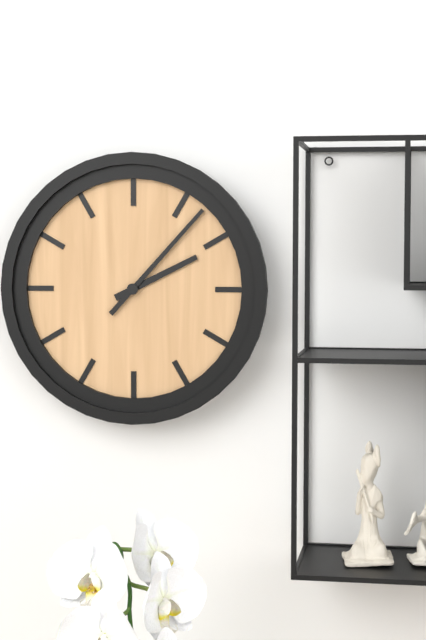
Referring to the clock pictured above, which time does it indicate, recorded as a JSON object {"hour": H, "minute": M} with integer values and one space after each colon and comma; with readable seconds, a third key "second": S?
{"hour": 2, "minute": 7}
